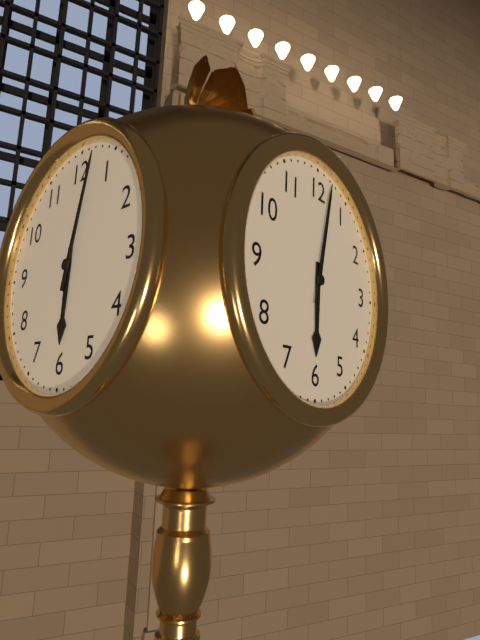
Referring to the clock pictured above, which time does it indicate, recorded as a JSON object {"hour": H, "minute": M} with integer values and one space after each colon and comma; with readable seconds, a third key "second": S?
{"hour": 6, "minute": 2}
